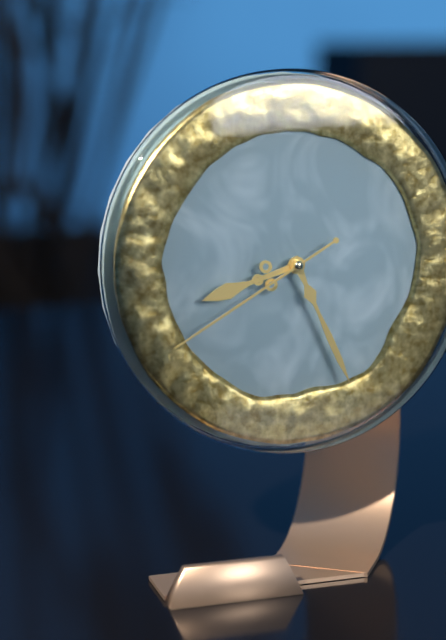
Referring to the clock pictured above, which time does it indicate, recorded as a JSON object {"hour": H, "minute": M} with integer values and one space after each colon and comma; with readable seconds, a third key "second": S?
{"hour": 8, "minute": 26, "second": 40}
